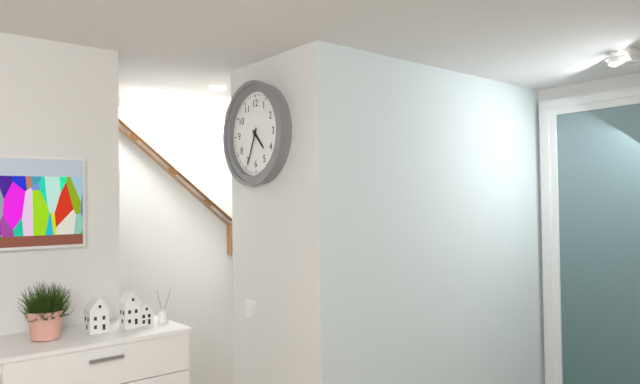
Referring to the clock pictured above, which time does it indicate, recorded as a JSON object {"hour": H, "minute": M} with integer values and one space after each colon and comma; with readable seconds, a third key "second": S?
{"hour": 4, "minute": 34}
